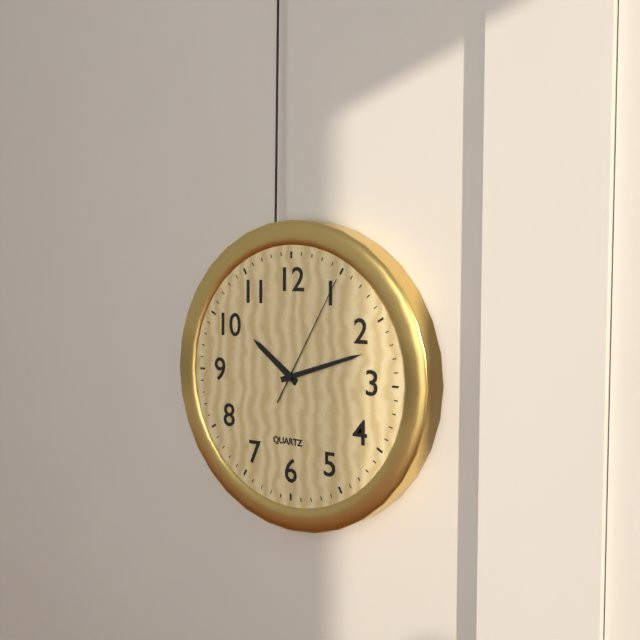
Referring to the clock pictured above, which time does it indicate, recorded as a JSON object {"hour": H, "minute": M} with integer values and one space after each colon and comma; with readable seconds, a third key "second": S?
{"hour": 10, "minute": 12, "second": 5}
